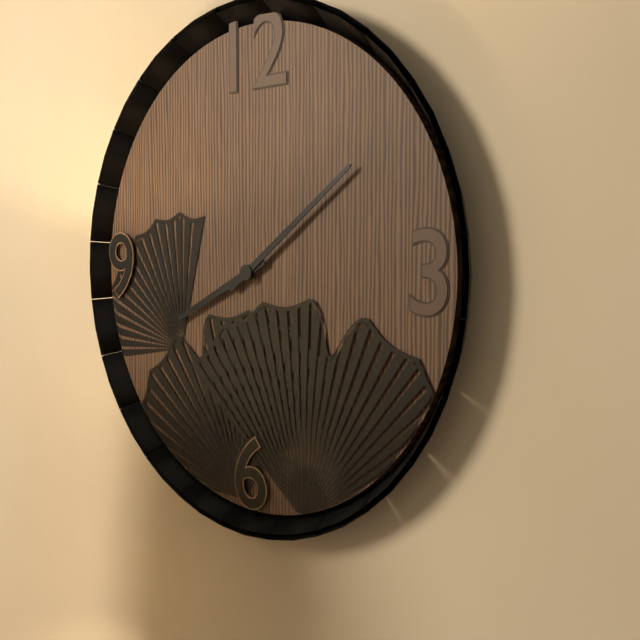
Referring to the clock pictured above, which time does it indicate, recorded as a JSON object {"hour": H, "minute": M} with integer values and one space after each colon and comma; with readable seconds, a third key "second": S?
{"hour": 8, "minute": 9}
